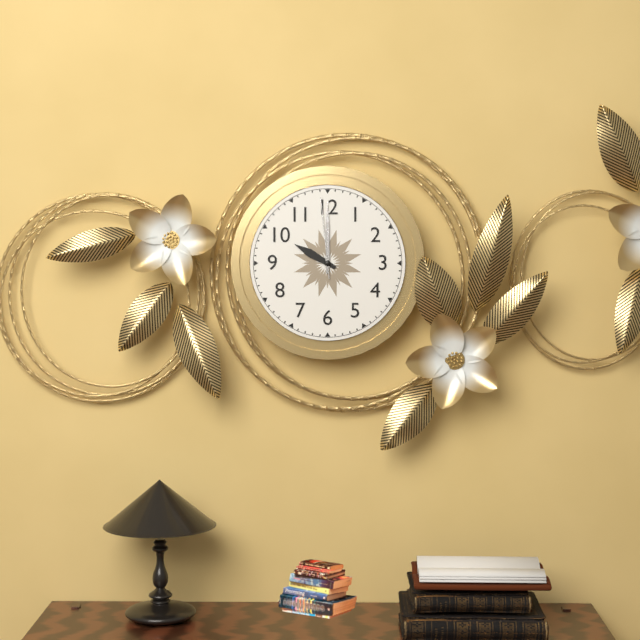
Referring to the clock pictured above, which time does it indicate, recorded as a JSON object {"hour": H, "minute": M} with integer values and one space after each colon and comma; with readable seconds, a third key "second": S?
{"hour": 10, "minute": 0, "second": 59}
